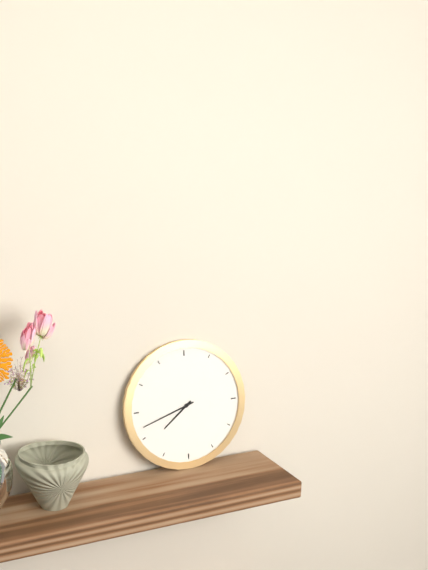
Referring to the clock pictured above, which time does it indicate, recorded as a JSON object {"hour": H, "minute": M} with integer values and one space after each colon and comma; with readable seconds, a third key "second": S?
{"hour": 7, "minute": 42}
